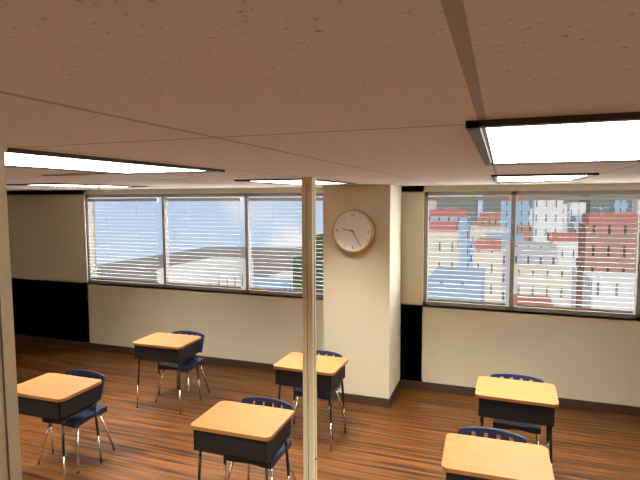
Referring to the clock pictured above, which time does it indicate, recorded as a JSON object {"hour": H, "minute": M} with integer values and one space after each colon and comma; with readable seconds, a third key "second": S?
{"hour": 9, "minute": 25}
